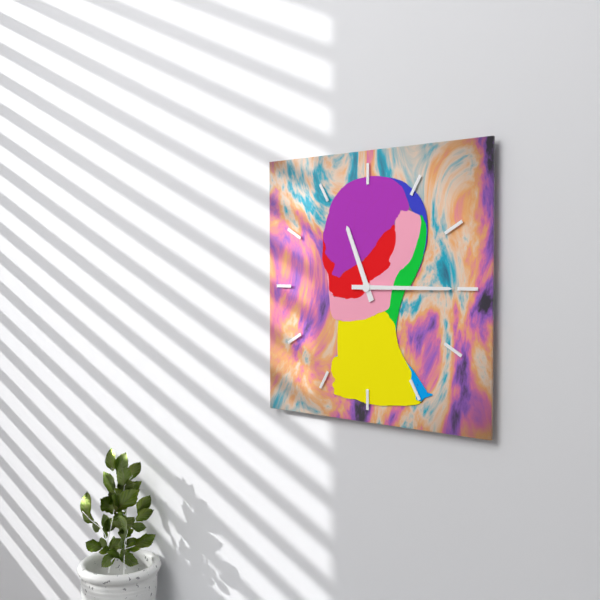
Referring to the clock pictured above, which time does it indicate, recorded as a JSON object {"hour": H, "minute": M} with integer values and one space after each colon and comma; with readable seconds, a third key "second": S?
{"hour": 11, "minute": 15}
